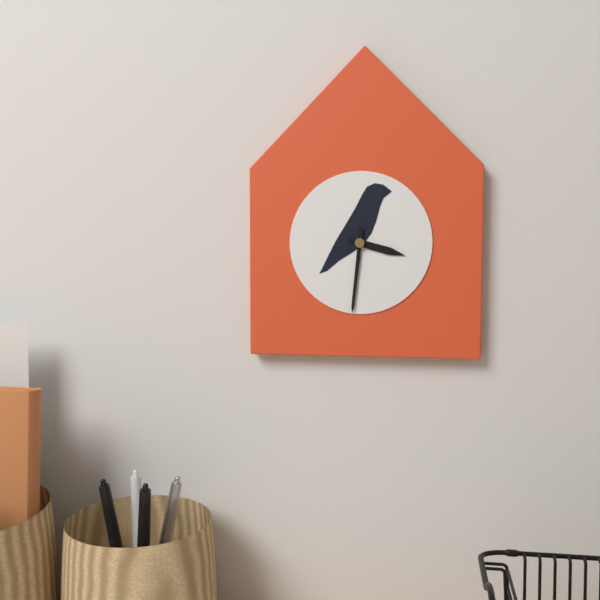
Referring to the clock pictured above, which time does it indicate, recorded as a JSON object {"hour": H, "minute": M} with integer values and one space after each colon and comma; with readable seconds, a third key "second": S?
{"hour": 3, "minute": 31}
